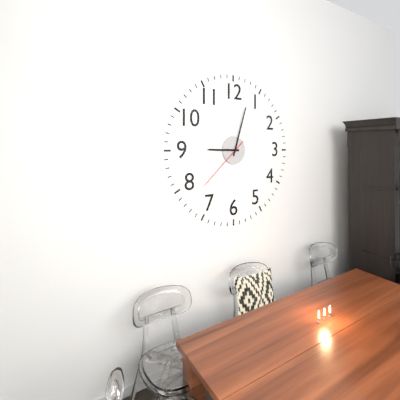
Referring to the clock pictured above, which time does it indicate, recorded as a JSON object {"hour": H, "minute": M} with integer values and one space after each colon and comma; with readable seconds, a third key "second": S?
{"hour": 9, "minute": 3, "second": 38}
